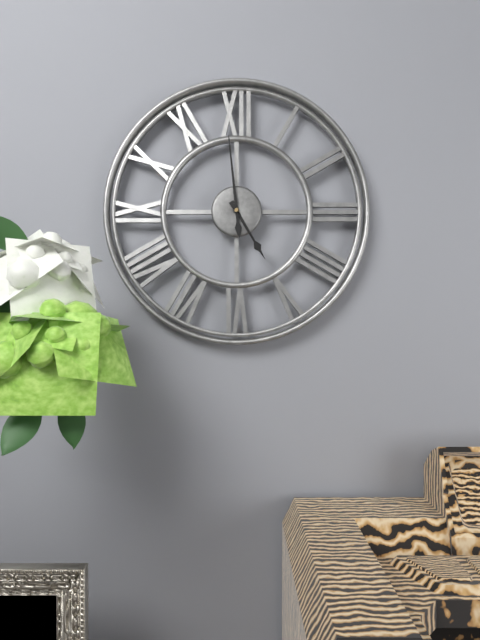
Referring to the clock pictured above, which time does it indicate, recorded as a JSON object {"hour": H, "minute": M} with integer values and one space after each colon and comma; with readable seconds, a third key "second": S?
{"hour": 4, "minute": 59}
